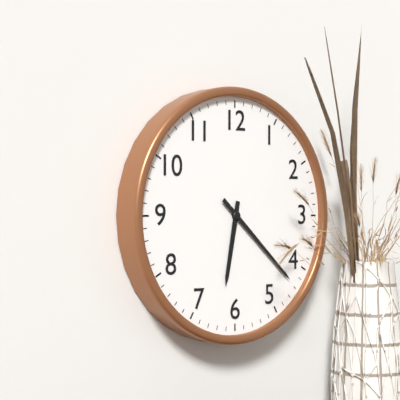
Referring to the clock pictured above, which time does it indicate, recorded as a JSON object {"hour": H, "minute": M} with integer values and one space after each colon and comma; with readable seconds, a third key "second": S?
{"hour": 6, "minute": 22}
